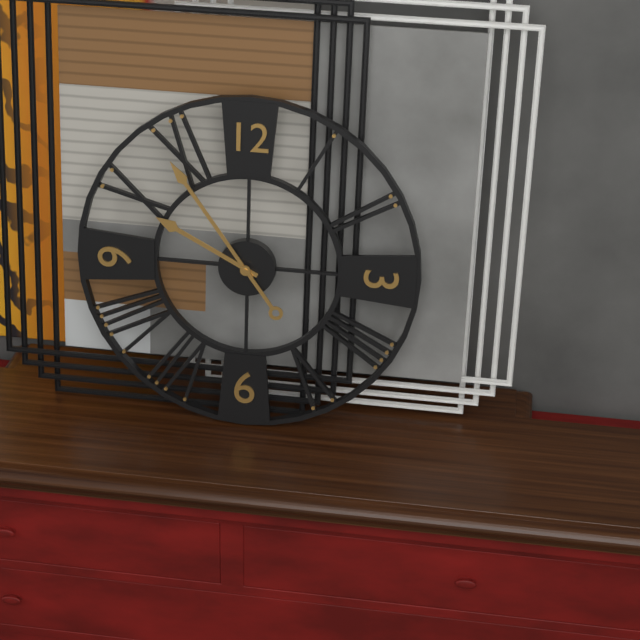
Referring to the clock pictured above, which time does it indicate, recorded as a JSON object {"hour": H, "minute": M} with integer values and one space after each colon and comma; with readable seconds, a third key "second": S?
{"hour": 9, "minute": 54}
